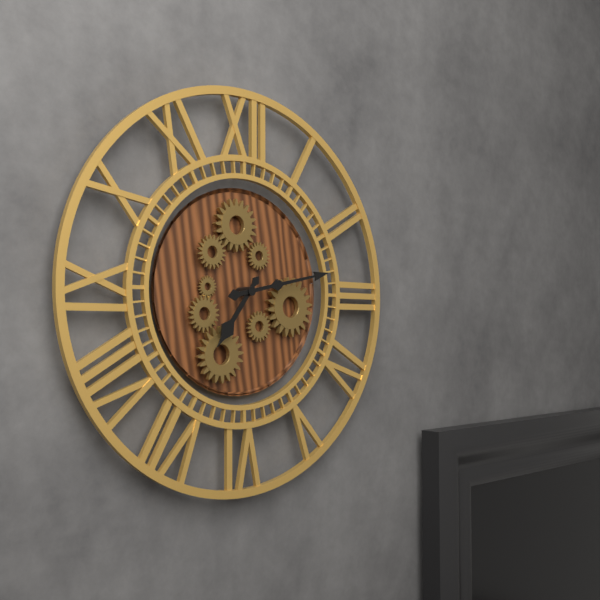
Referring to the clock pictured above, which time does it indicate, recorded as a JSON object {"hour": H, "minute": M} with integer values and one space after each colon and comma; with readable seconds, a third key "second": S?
{"hour": 7, "minute": 13}
